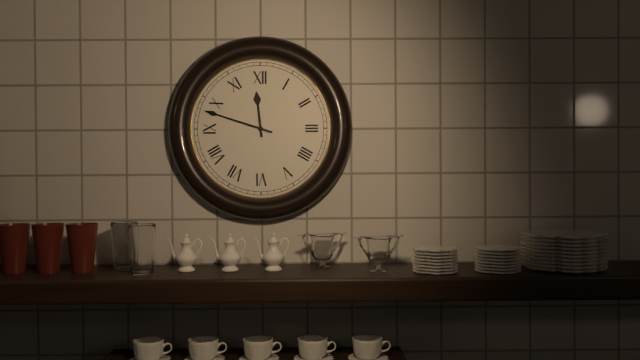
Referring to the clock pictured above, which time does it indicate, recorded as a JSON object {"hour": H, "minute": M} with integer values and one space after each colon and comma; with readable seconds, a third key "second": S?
{"hour": 11, "minute": 48}
